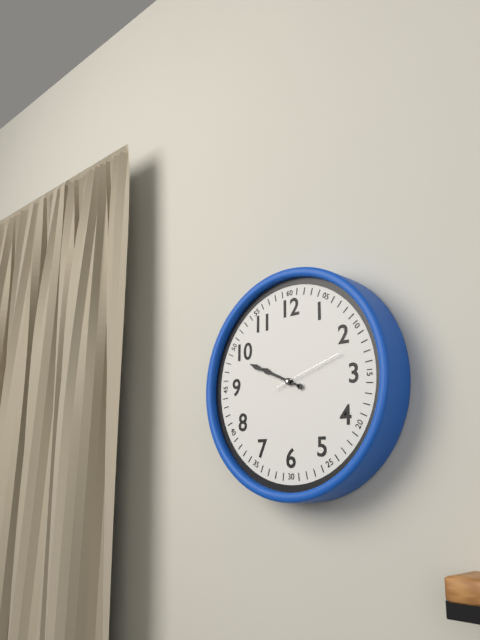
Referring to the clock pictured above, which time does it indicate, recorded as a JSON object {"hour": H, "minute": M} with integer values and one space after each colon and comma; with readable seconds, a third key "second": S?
{"hour": 9, "minute": 49, "second": 12}
